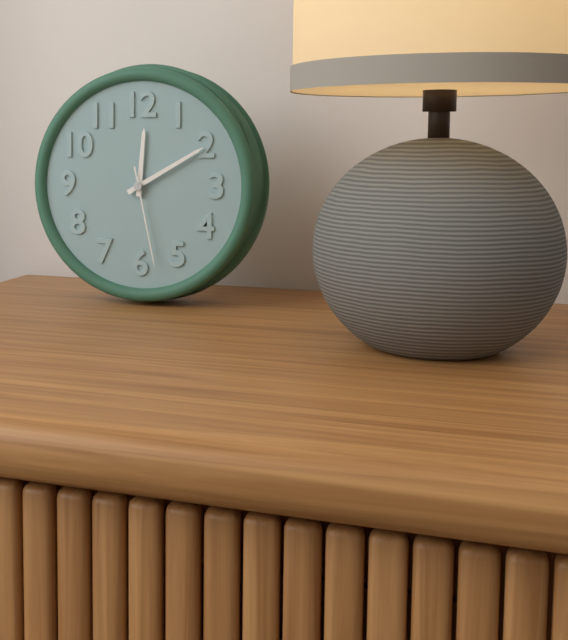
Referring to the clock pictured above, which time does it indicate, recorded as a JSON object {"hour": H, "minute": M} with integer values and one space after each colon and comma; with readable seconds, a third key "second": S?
{"hour": 12, "minute": 10, "second": 28}
